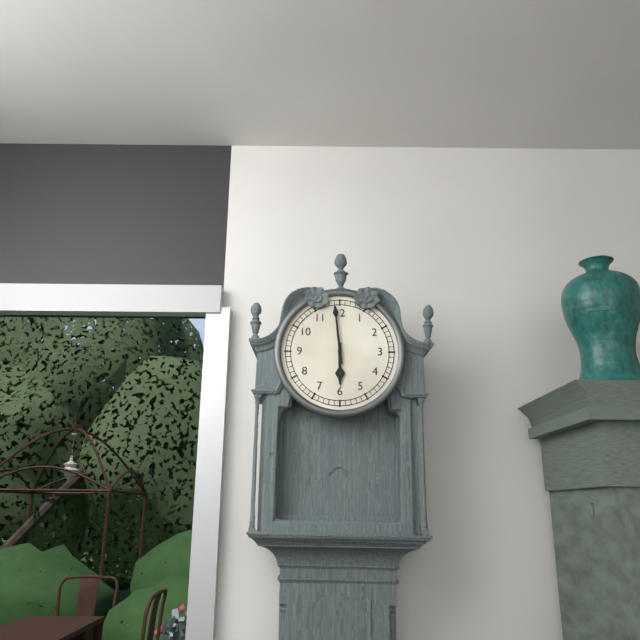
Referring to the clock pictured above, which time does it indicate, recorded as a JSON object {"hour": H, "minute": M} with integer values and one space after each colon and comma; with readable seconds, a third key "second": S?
{"hour": 5, "minute": 59}
